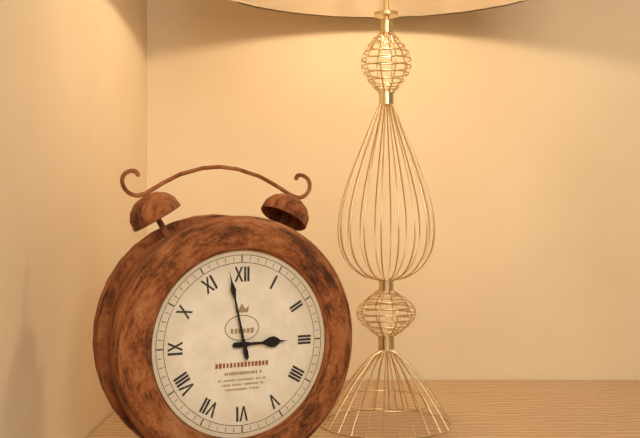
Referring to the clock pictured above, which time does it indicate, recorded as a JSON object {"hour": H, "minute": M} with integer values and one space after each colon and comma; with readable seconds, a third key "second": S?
{"hour": 2, "minute": 58}
